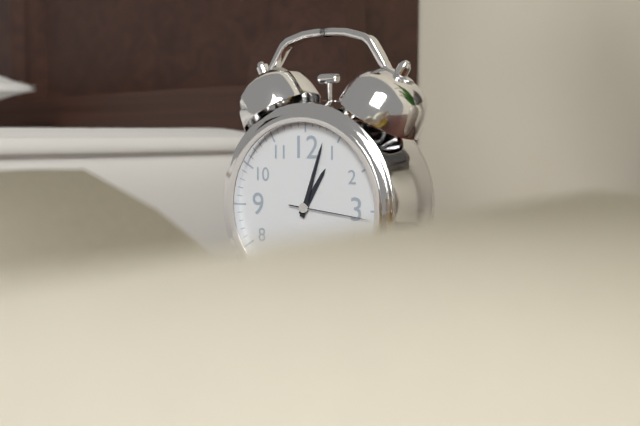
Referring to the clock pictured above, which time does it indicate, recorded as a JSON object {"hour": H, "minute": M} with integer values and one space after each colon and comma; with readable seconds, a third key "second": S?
{"hour": 1, "minute": 3, "second": 16}
